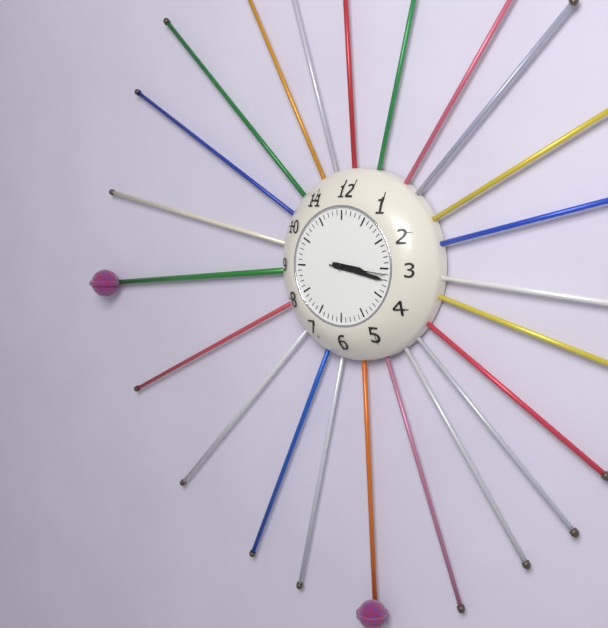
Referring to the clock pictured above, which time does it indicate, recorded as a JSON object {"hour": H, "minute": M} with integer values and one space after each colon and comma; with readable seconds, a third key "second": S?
{"hour": 3, "minute": 17, "second": 16}
